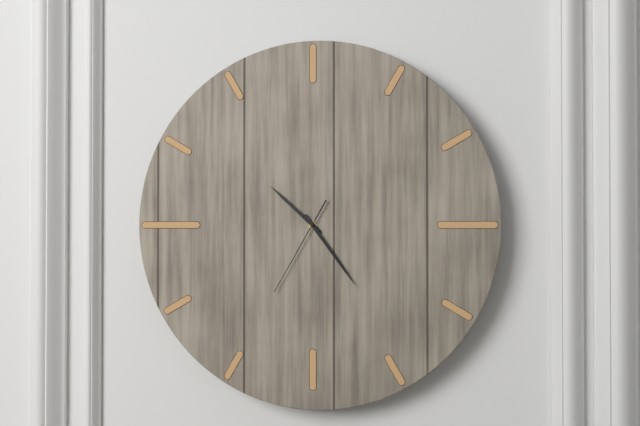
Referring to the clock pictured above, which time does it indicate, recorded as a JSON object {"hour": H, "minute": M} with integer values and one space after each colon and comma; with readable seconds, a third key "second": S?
{"hour": 10, "minute": 24, "second": 35}
